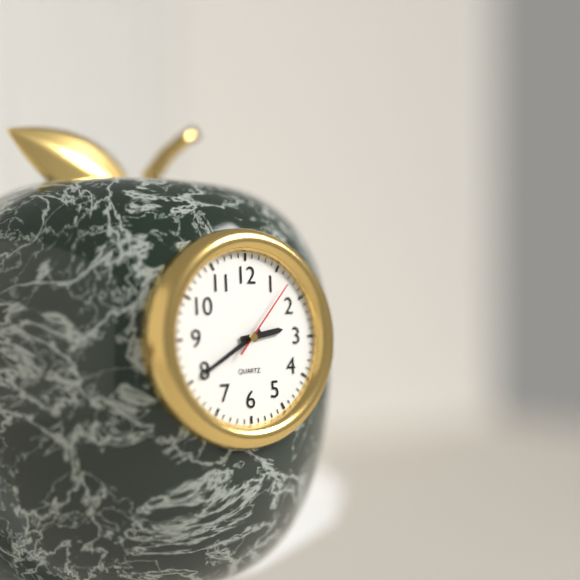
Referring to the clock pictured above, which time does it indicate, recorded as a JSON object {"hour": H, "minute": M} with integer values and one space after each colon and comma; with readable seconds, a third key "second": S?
{"hour": 2, "minute": 40, "second": 7}
